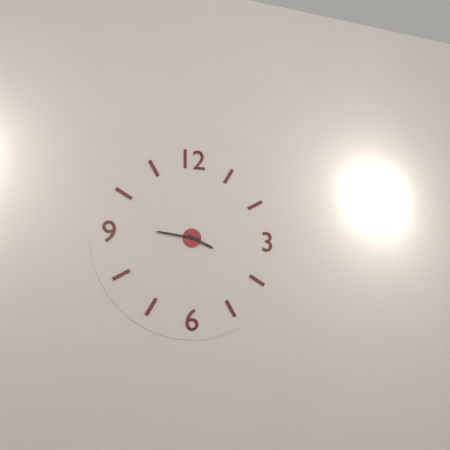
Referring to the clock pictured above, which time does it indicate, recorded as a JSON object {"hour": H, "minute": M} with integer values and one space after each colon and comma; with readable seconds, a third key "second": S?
{"hour": 3, "minute": 46}
